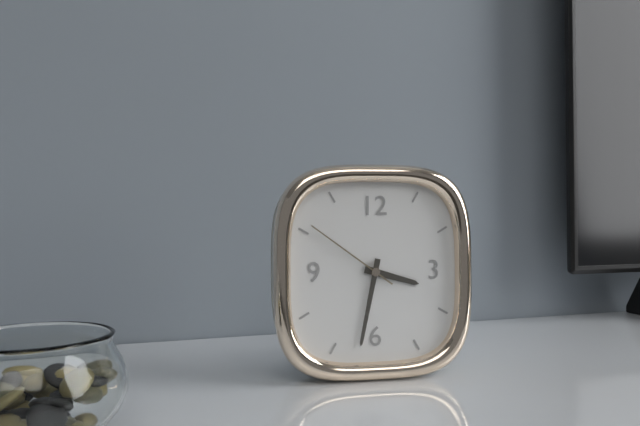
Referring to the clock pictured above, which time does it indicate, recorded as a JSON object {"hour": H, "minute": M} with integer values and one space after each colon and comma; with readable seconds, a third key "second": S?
{"hour": 3, "minute": 32, "second": 51}
